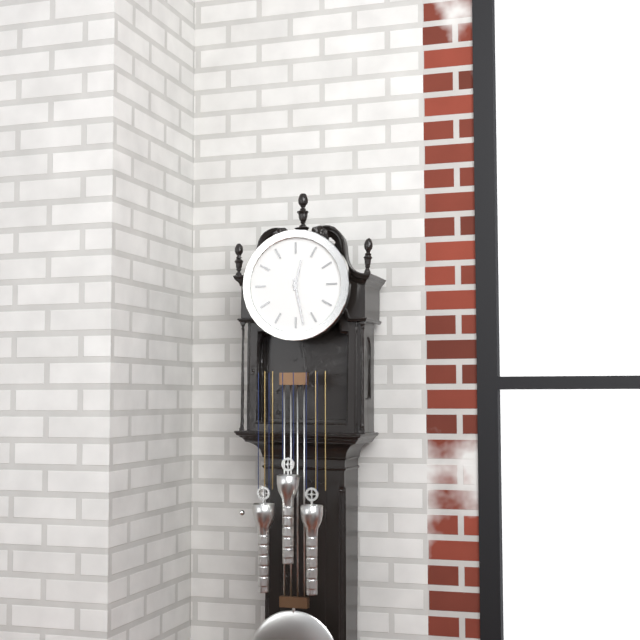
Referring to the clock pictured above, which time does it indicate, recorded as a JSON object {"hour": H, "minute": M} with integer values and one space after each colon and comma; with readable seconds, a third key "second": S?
{"hour": 12, "minute": 28}
